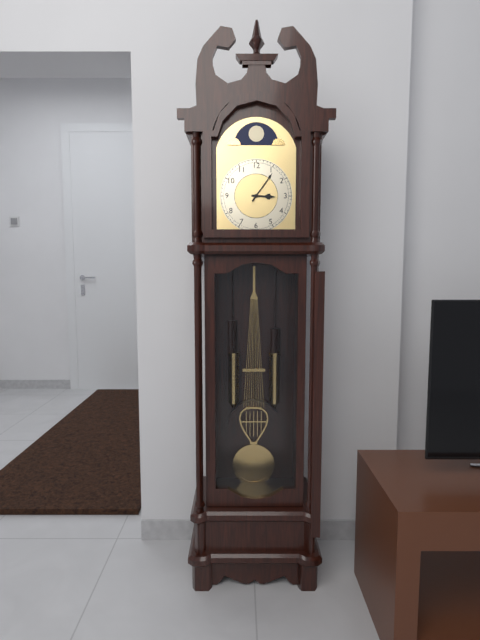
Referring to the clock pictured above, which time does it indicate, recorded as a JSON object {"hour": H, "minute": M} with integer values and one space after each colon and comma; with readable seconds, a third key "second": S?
{"hour": 3, "minute": 6}
